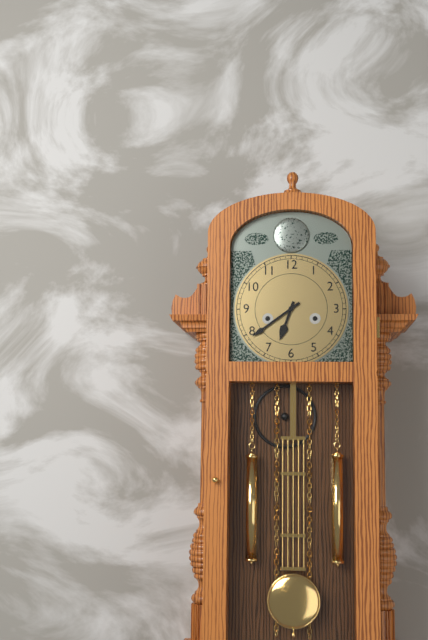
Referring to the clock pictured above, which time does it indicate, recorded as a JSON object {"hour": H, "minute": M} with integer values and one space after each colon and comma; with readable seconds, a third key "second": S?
{"hour": 6, "minute": 39}
